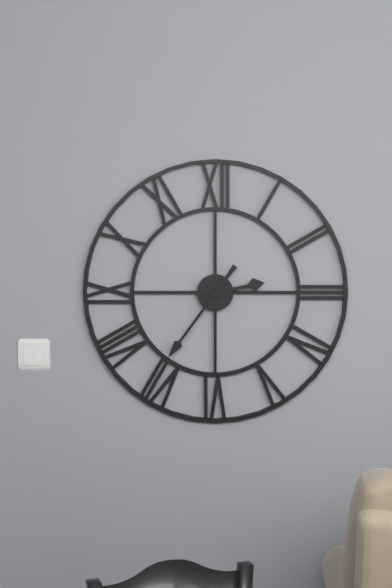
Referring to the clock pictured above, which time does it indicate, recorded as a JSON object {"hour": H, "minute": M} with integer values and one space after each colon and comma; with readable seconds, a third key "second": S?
{"hour": 2, "minute": 36}
